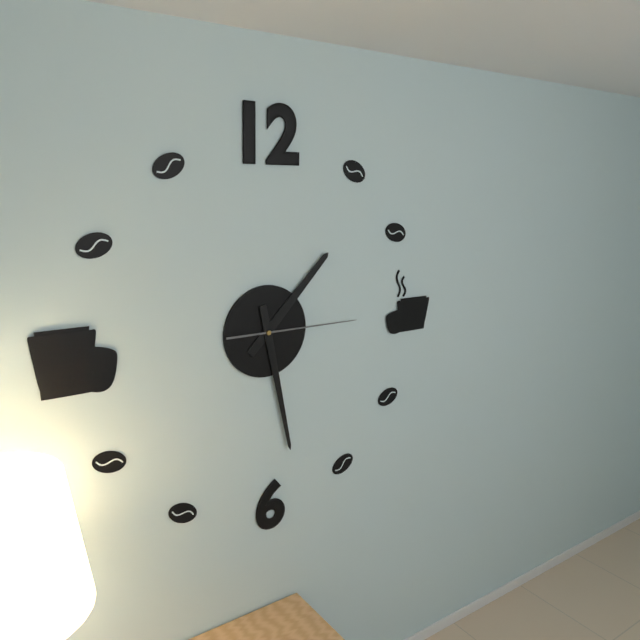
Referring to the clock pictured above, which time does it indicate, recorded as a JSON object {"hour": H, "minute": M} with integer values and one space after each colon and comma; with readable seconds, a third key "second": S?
{"hour": 1, "minute": 28, "second": 15}
